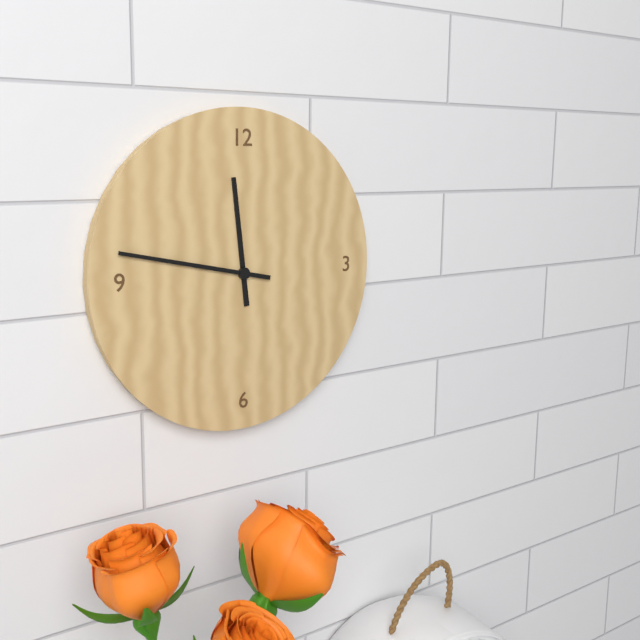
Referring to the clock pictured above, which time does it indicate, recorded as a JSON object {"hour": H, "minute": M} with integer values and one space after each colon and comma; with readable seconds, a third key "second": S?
{"hour": 11, "minute": 47}
